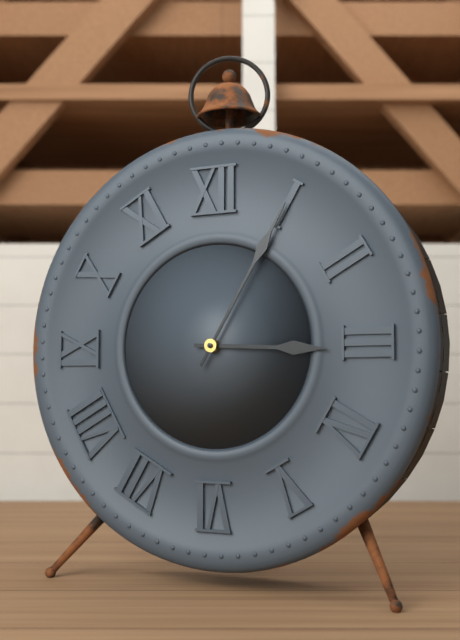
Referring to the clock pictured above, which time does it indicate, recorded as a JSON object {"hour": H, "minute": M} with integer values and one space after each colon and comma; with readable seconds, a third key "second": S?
{"hour": 3, "minute": 5}
